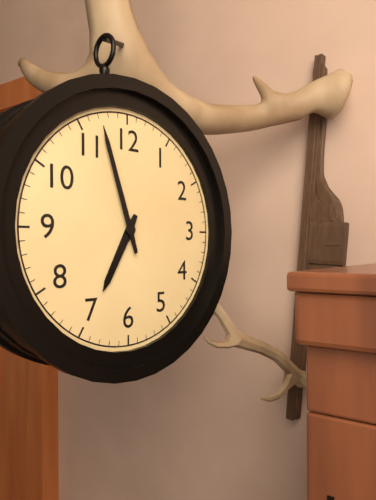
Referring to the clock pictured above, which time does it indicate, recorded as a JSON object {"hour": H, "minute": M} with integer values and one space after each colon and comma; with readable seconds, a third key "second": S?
{"hour": 6, "minute": 57}
